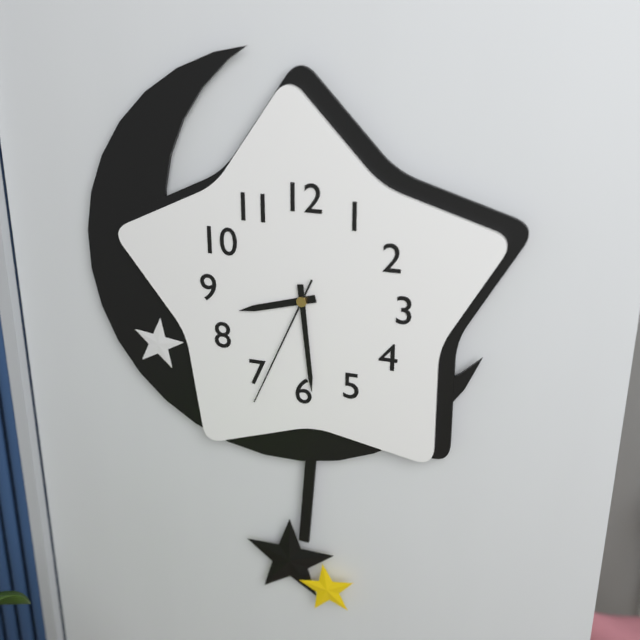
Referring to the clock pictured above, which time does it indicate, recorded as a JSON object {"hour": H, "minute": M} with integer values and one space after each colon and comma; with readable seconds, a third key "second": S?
{"hour": 8, "minute": 29, "second": 34}
